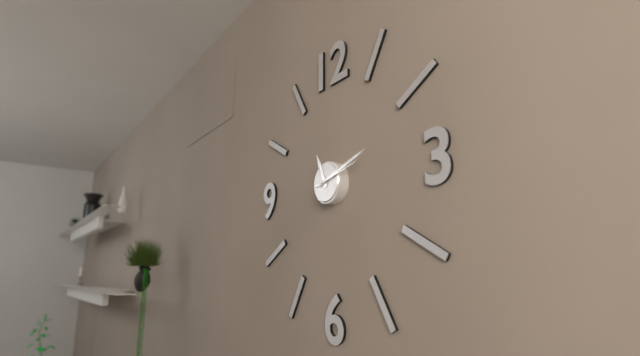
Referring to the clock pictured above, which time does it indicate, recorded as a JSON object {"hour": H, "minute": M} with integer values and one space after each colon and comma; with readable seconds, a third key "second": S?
{"hour": 11, "minute": 12}
